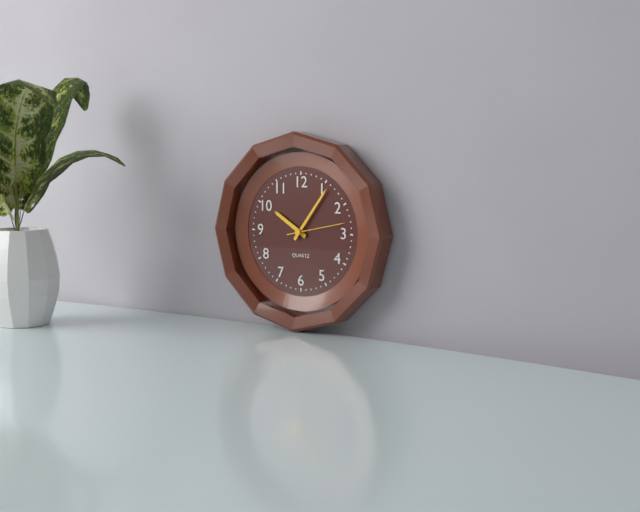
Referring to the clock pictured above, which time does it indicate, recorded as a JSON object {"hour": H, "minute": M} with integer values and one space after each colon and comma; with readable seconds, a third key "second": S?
{"hour": 10, "minute": 6, "second": 13}
